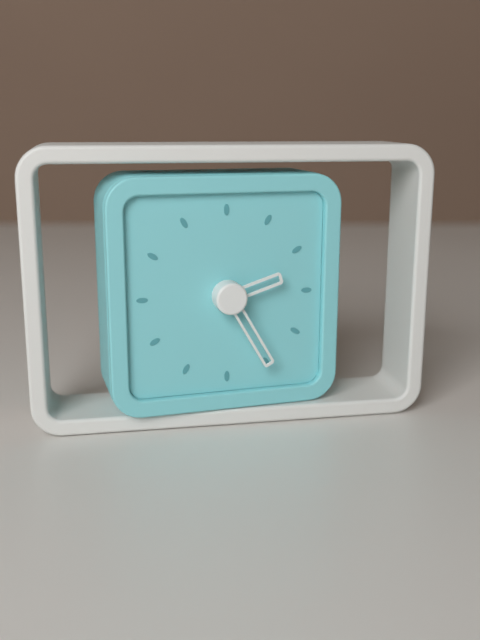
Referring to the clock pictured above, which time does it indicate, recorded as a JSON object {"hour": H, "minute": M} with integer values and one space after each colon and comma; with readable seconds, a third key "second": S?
{"hour": 2, "minute": 25}
